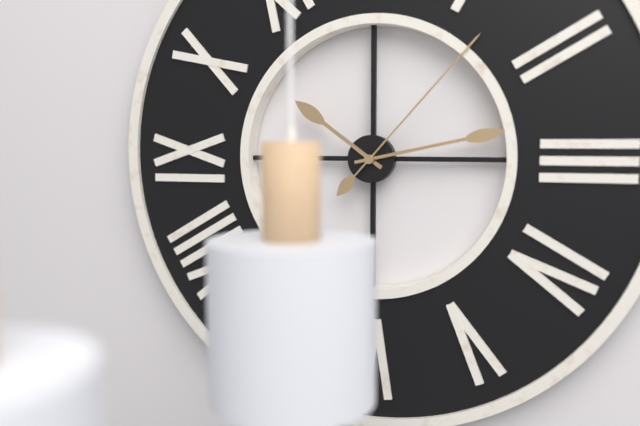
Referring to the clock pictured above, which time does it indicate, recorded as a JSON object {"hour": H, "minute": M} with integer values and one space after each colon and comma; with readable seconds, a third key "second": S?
{"hour": 10, "minute": 13, "second": 7}
